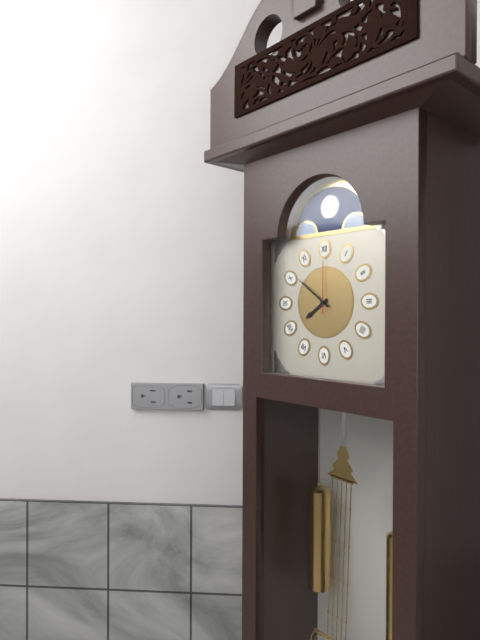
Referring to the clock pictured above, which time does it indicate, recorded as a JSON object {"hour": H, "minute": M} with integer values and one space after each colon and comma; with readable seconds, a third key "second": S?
{"hour": 7, "minute": 51, "second": 0}
